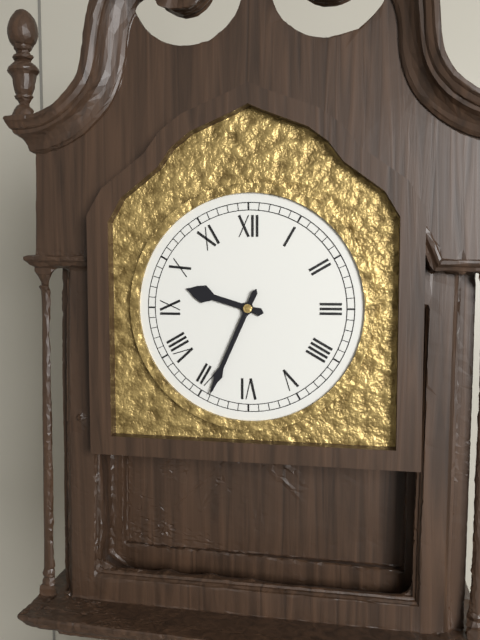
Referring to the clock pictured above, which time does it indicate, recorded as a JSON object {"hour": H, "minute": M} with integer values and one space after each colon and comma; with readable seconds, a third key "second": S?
{"hour": 9, "minute": 34}
